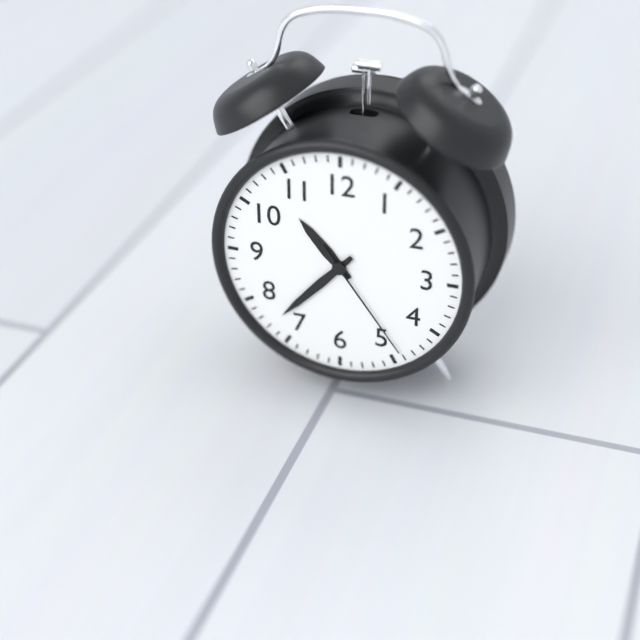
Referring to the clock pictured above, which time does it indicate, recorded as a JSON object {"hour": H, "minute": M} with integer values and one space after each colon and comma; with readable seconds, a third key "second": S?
{"hour": 10, "minute": 37, "second": 24}
